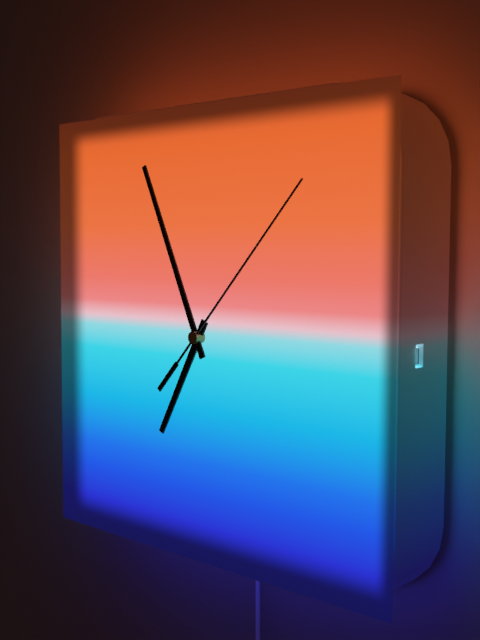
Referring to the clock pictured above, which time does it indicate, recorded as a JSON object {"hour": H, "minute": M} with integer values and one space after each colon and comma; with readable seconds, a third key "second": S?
{"hour": 6, "minute": 56, "second": 7}
